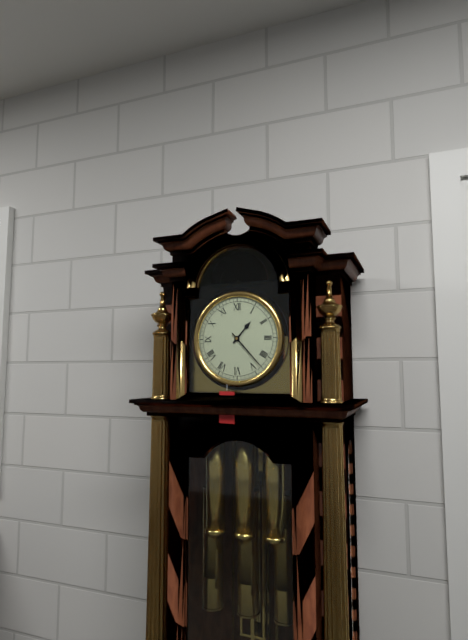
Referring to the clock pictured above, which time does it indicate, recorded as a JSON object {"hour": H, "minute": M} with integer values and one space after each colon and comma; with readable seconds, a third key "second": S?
{"hour": 1, "minute": 23}
